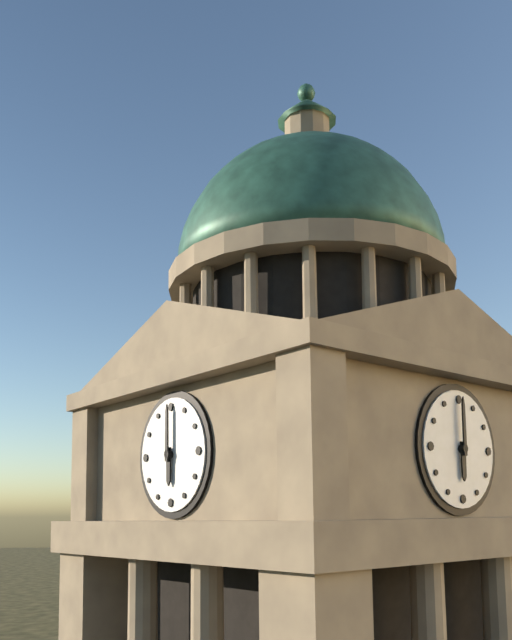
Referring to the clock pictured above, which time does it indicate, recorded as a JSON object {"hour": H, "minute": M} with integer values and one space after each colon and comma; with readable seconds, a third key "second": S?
{"hour": 6, "minute": 0}
